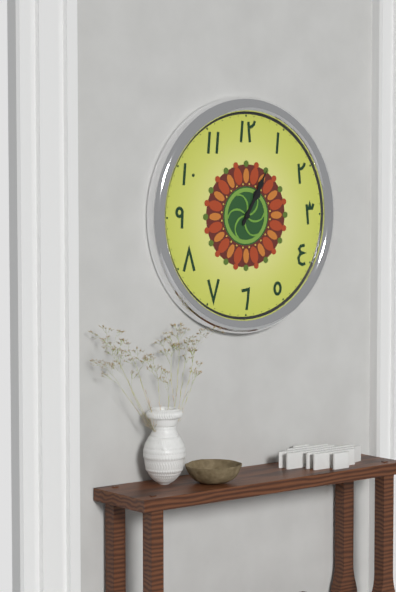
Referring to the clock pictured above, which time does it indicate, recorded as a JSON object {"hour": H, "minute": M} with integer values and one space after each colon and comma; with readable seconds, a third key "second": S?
{"hour": 1, "minute": 5}
